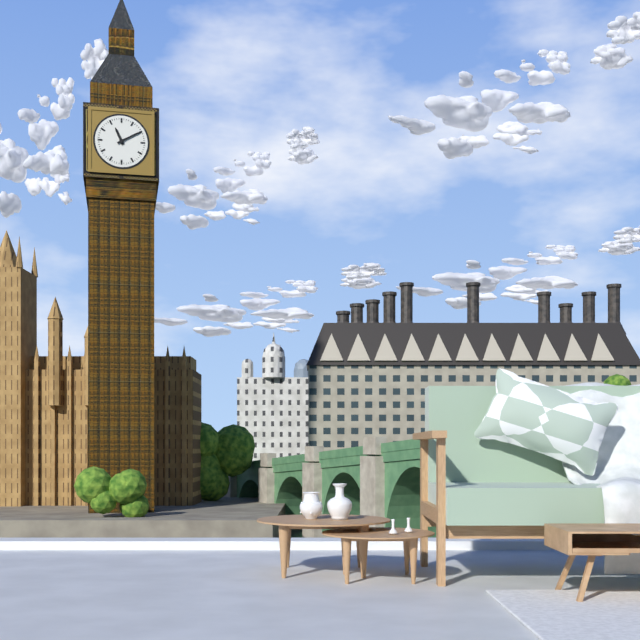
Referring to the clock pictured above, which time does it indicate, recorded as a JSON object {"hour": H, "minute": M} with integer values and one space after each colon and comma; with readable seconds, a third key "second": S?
{"hour": 11, "minute": 10}
